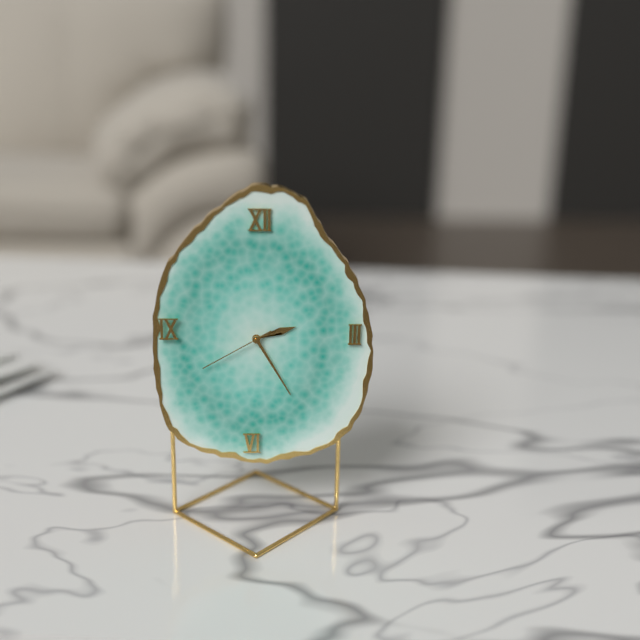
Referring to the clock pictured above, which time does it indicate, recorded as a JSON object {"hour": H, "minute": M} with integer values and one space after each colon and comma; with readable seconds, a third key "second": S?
{"hour": 2, "minute": 25, "second": 40}
